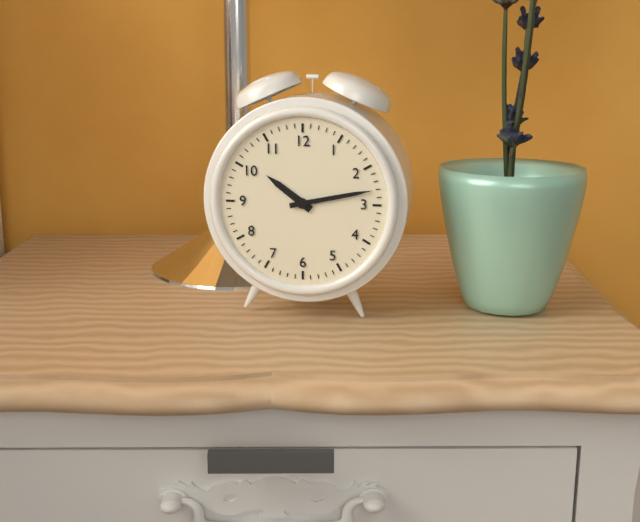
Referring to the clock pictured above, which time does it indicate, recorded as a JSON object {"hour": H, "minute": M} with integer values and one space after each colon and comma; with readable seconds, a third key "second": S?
{"hour": 10, "minute": 13}
